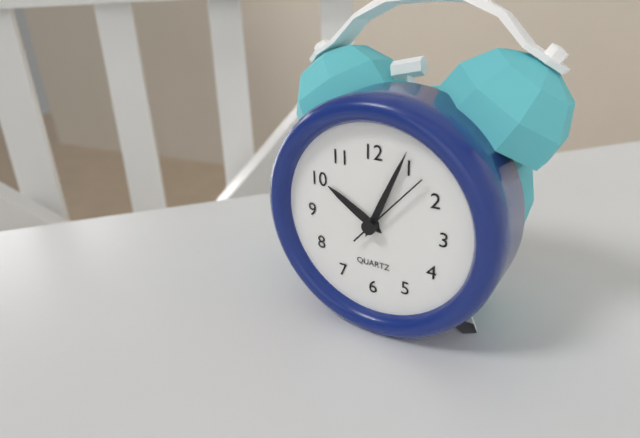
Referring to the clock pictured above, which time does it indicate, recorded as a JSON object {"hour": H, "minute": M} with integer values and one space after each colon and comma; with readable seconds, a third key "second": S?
{"hour": 10, "minute": 4, "second": 7}
